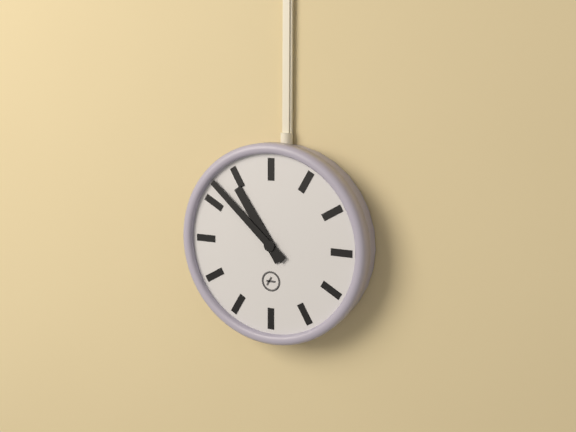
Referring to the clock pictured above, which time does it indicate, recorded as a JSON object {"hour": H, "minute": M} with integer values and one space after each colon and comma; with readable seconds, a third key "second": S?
{"hour": 10, "minute": 52}
